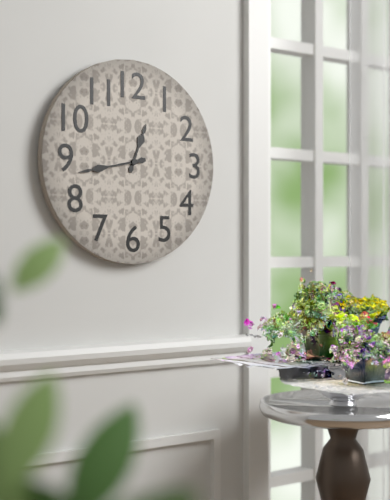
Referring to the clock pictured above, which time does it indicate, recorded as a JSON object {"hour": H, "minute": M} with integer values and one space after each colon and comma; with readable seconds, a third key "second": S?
{"hour": 12, "minute": 43}
